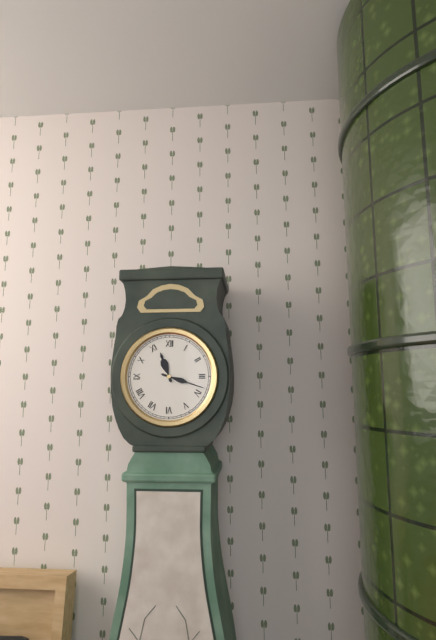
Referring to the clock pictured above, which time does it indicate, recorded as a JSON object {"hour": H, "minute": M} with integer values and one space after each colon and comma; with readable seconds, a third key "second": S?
{"hour": 11, "minute": 18}
